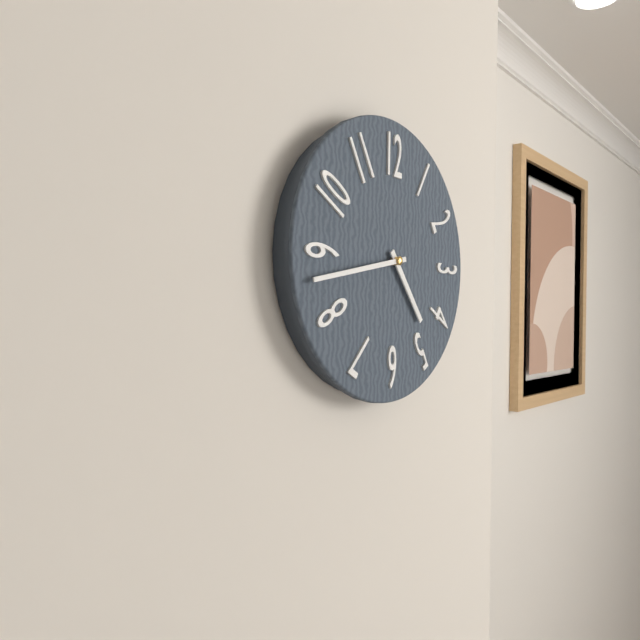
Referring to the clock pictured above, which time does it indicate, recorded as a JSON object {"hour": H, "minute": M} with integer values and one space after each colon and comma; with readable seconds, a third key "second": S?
{"hour": 4, "minute": 43}
